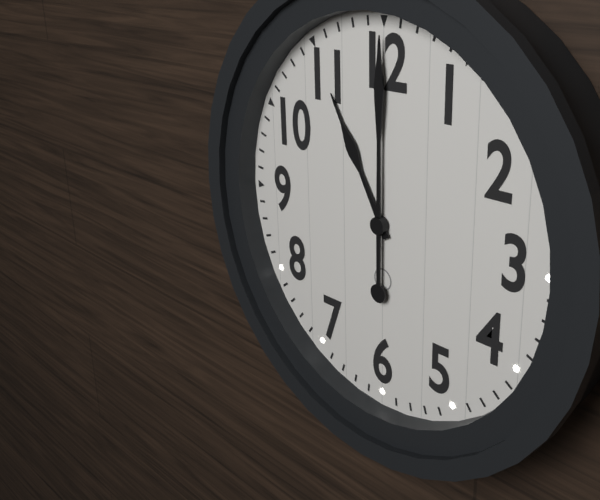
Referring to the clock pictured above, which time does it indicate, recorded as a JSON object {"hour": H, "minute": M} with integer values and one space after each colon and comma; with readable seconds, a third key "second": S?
{"hour": 11, "minute": 0}
